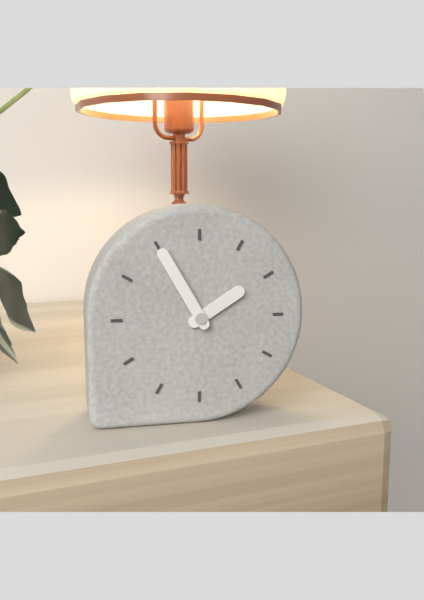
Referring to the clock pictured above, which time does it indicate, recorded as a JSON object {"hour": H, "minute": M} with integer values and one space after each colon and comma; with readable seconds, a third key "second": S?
{"hour": 1, "minute": 55}
